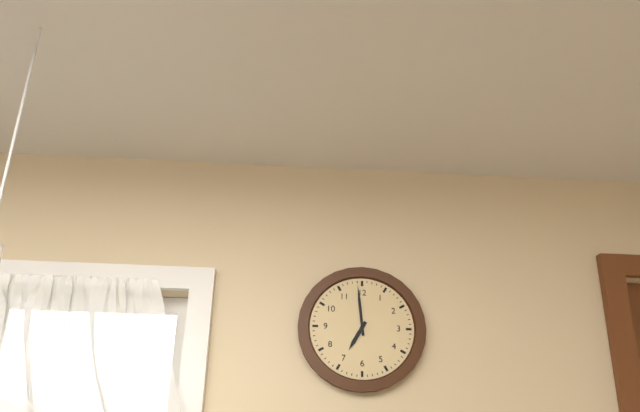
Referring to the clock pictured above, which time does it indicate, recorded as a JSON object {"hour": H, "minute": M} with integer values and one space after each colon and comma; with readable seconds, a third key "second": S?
{"hour": 6, "minute": 59}
